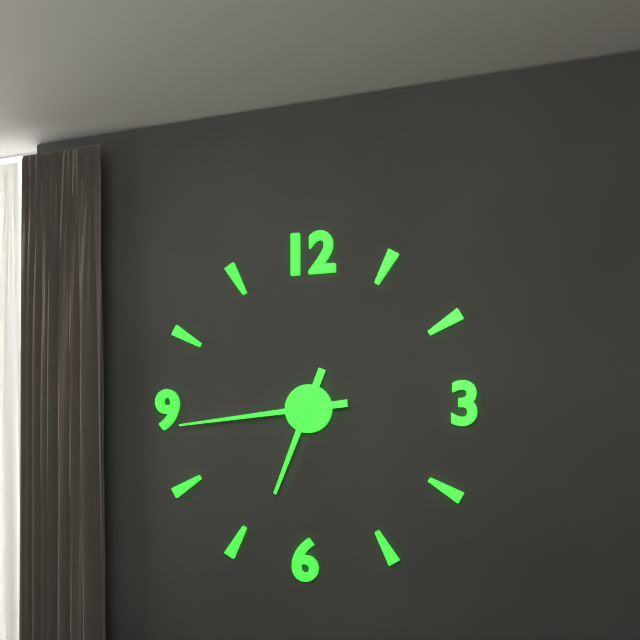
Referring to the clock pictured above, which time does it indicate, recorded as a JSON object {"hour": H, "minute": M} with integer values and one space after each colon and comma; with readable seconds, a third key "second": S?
{"hour": 6, "minute": 44}
